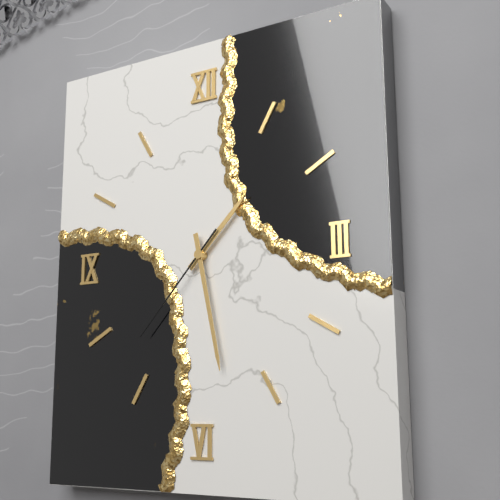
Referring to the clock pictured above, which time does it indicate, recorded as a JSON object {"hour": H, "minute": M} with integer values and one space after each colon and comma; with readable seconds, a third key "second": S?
{"hour": 1, "minute": 28, "second": 37}
